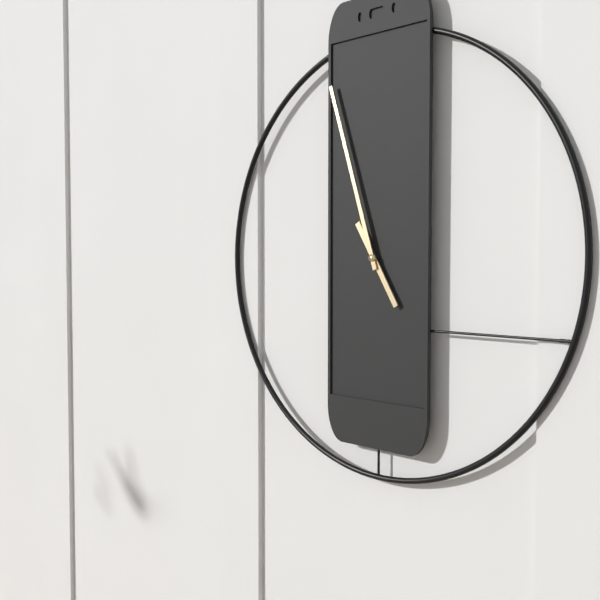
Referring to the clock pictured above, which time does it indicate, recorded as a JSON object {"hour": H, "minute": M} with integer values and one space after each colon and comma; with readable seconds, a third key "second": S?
{"hour": 4, "minute": 57}
